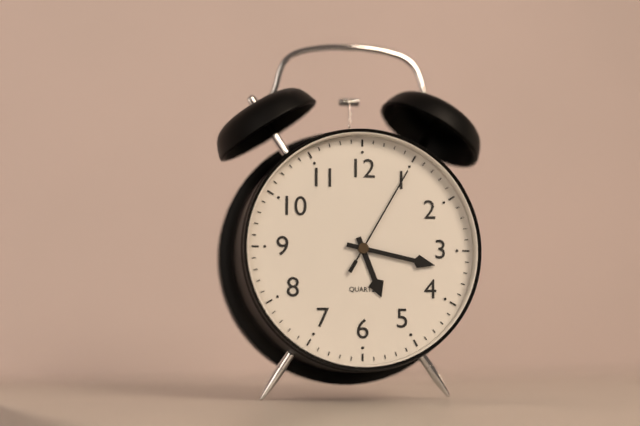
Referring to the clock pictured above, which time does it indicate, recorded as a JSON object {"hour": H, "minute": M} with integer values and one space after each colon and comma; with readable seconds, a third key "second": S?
{"hour": 5, "minute": 17, "second": 5}
